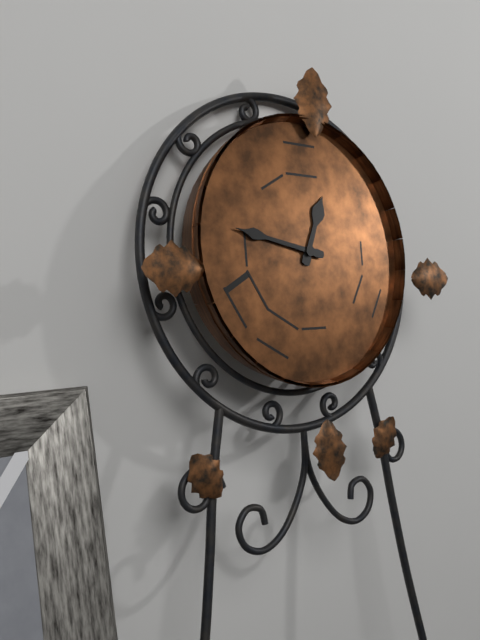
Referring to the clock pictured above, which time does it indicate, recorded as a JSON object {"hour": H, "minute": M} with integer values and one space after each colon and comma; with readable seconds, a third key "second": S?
{"hour": 12, "minute": 47}
